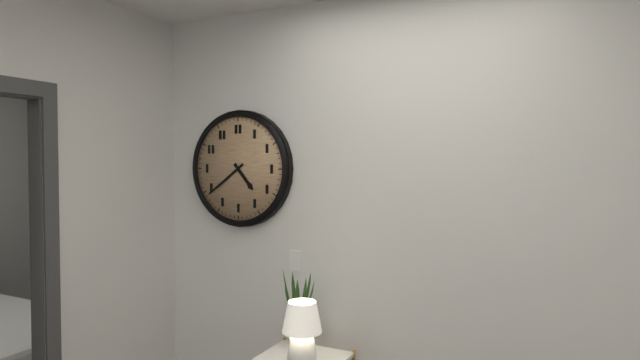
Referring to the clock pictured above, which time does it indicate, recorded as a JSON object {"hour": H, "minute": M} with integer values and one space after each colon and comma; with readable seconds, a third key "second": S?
{"hour": 4, "minute": 39}
